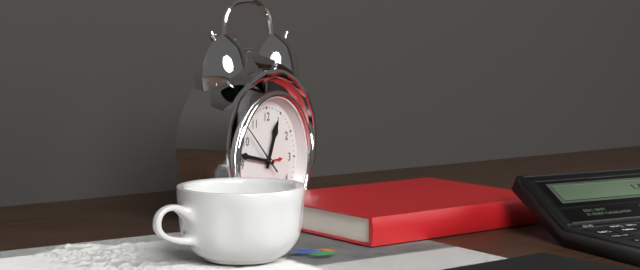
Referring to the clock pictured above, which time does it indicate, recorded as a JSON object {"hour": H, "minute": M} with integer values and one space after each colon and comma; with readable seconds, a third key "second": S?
{"hour": 12, "minute": 47, "second": 52}
